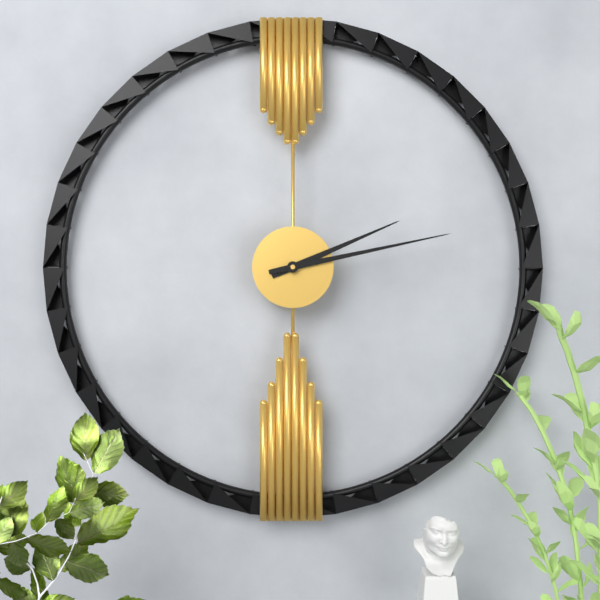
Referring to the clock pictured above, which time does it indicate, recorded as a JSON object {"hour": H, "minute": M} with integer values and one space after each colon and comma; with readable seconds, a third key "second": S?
{"hour": 2, "minute": 13}
